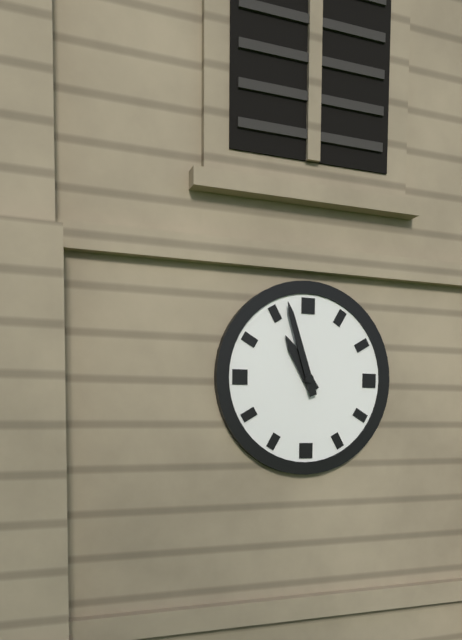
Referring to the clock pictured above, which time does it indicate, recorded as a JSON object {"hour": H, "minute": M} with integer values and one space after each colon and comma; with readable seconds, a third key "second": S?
{"hour": 10, "minute": 57}
